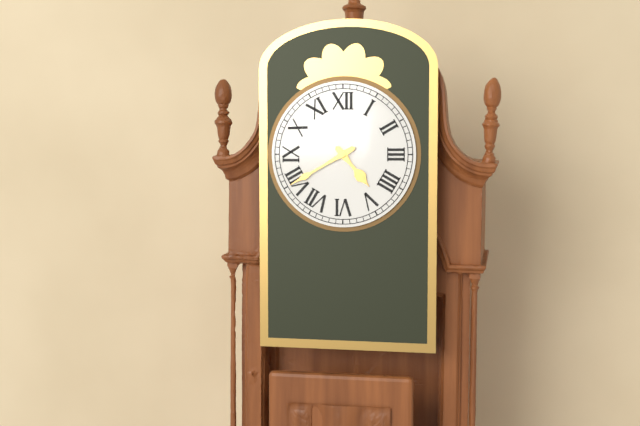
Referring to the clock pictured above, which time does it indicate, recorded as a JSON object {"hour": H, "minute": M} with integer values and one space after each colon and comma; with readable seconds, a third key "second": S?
{"hour": 4, "minute": 40}
